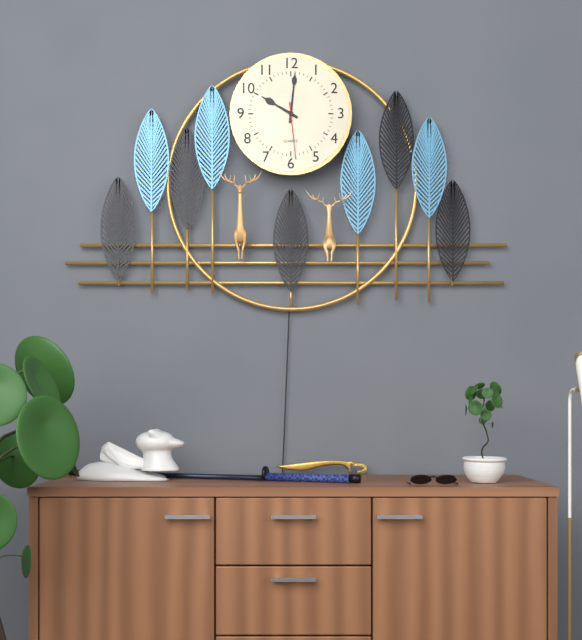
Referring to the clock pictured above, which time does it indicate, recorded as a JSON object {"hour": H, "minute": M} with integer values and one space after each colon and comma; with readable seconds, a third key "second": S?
{"hour": 10, "minute": 1, "second": 29}
